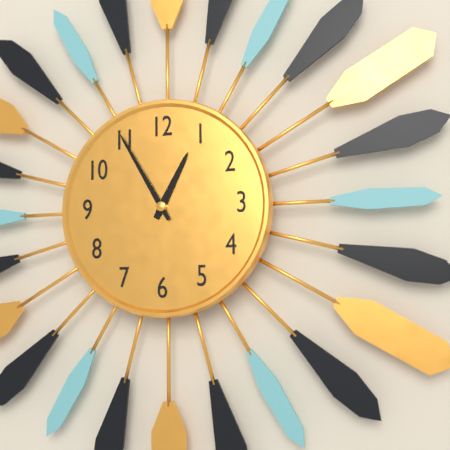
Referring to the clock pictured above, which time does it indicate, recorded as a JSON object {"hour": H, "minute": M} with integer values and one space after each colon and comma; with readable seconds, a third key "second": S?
{"hour": 12, "minute": 55}
